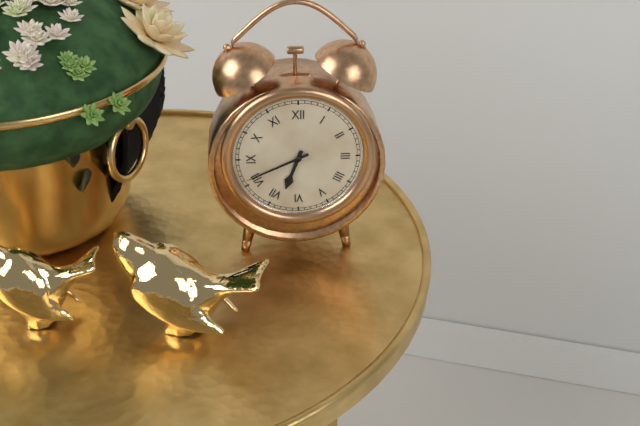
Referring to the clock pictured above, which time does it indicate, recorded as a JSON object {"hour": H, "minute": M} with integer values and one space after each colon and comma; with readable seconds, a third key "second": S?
{"hour": 6, "minute": 41}
